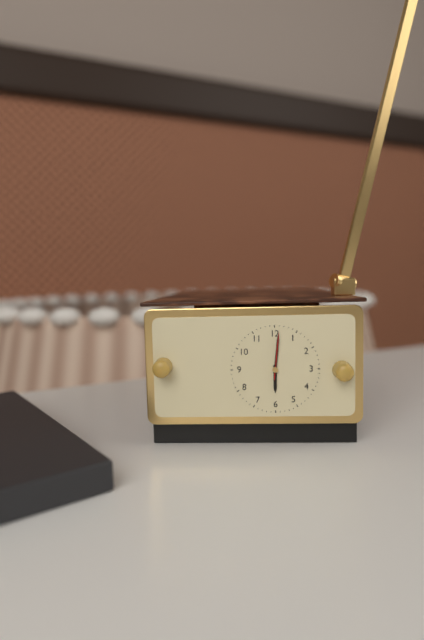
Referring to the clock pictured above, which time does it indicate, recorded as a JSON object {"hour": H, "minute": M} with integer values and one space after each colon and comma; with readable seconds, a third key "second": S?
{"hour": 6, "minute": 1}
